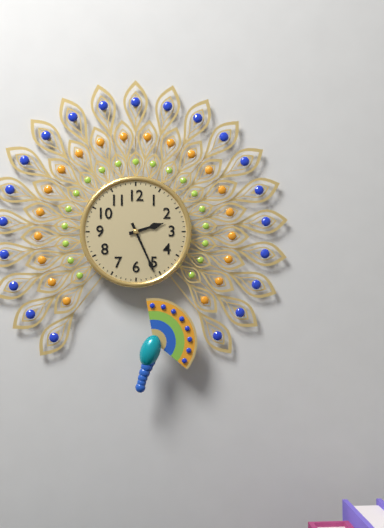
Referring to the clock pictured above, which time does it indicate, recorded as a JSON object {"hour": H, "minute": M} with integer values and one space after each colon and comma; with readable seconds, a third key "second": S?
{"hour": 2, "minute": 26}
